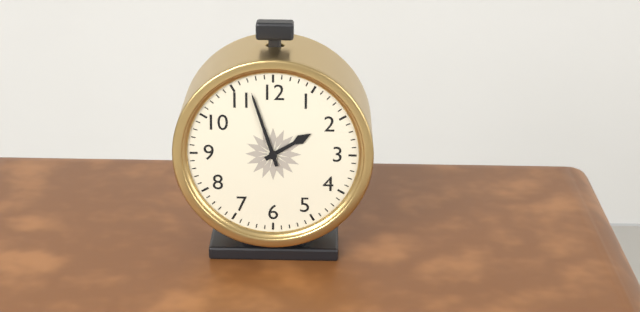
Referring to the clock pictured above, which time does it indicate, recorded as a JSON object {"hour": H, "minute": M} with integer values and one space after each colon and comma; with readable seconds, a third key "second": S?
{"hour": 1, "minute": 57}
